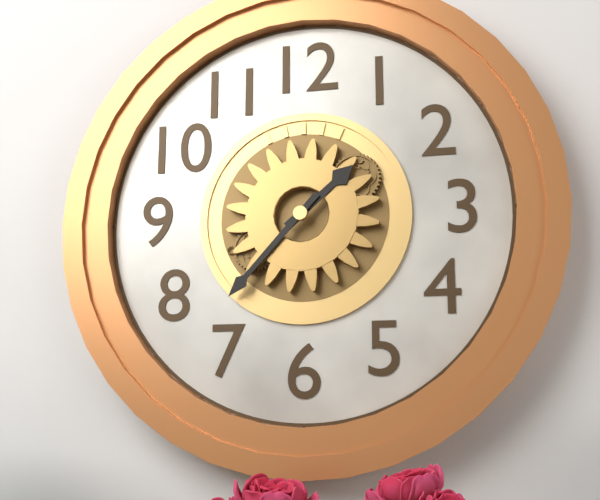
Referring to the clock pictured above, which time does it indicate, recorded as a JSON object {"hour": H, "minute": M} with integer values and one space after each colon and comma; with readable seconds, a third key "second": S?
{"hour": 1, "minute": 37}
